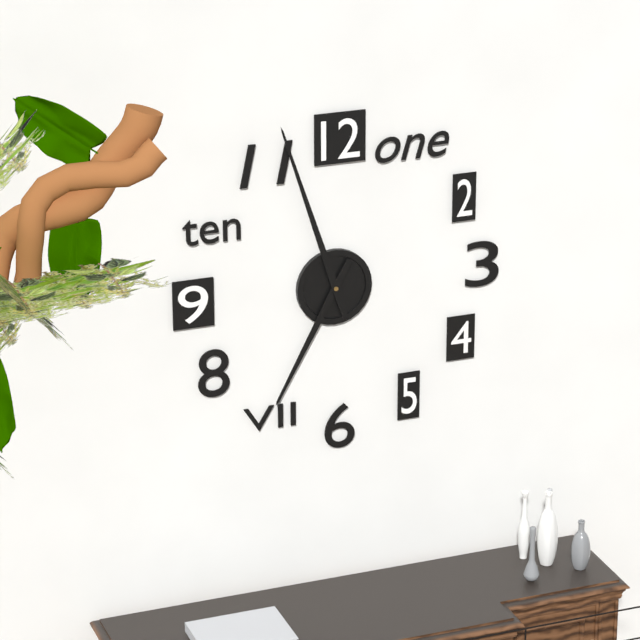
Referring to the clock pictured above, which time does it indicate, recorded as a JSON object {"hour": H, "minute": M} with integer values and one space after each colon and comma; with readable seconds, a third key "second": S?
{"hour": 6, "minute": 57}
